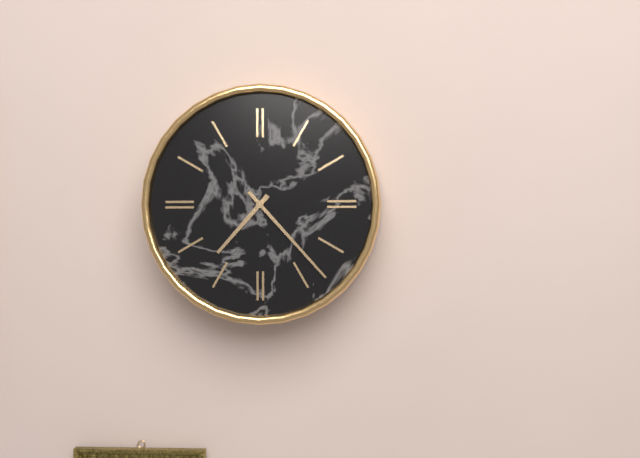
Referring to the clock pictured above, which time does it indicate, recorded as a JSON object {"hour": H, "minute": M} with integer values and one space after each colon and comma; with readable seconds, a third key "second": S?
{"hour": 7, "minute": 23}
